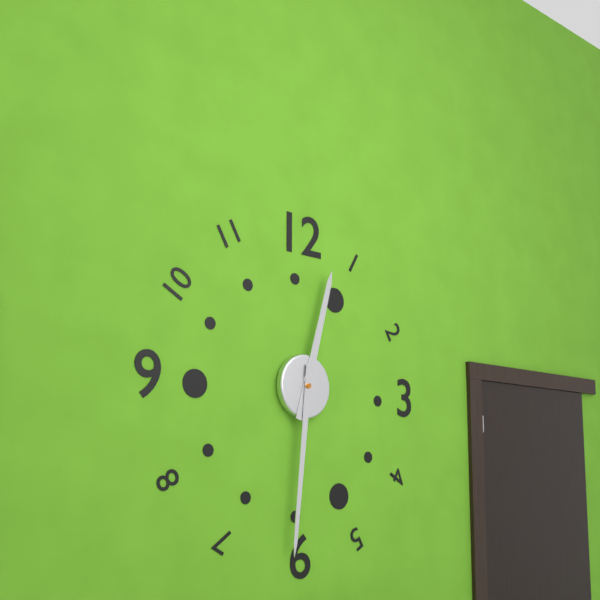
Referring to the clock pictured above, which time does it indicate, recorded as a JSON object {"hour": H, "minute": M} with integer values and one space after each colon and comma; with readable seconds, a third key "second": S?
{"hour": 12, "minute": 31}
